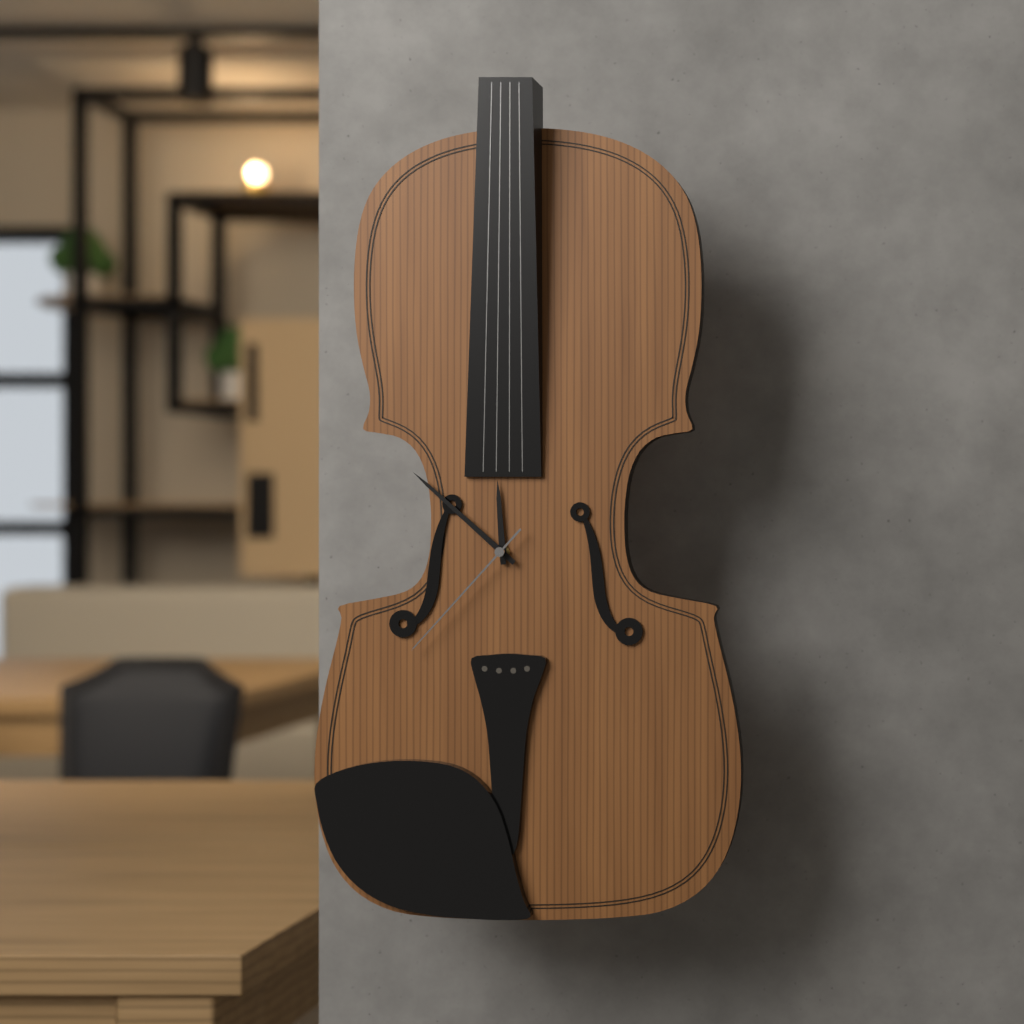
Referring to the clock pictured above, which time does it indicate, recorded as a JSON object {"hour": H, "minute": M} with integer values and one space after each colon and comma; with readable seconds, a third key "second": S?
{"hour": 11, "minute": 52, "second": 37}
